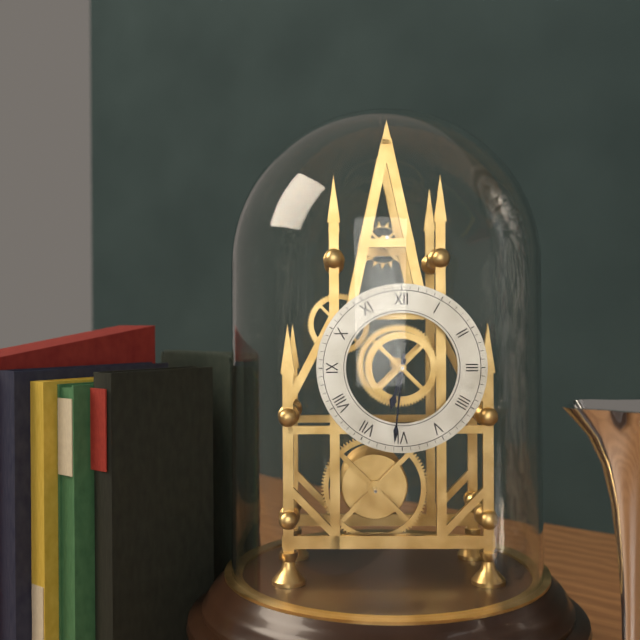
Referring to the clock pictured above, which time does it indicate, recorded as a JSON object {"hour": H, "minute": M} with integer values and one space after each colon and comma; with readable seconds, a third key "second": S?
{"hour": 6, "minute": 31}
